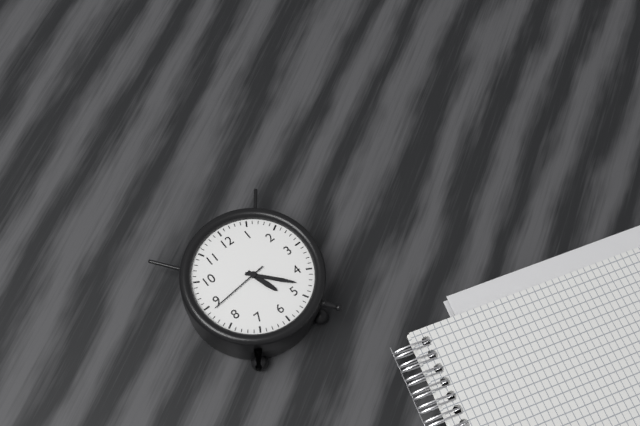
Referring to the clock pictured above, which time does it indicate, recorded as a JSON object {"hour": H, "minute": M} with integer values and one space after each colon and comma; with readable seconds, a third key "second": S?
{"hour": 5, "minute": 23, "second": 44}
